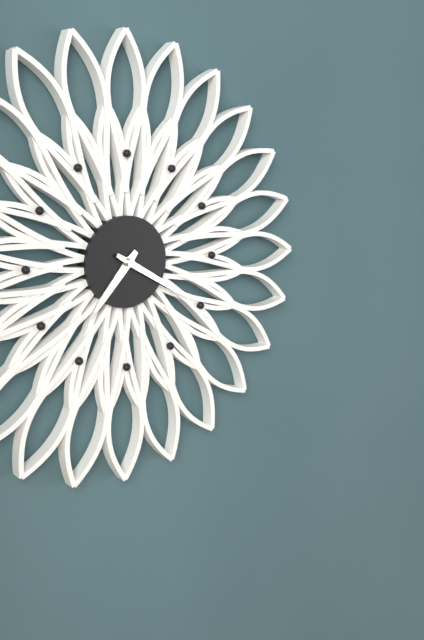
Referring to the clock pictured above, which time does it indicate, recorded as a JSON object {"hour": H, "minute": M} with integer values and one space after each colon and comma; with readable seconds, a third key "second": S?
{"hour": 7, "minute": 20}
